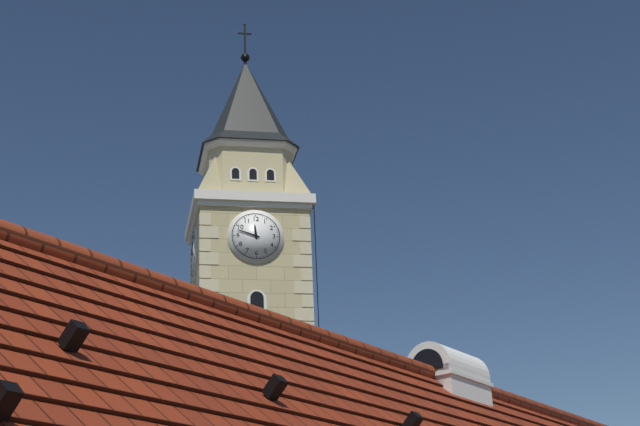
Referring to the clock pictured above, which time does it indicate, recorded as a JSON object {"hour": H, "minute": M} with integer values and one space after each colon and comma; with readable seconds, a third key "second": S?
{"hour": 11, "minute": 48}
